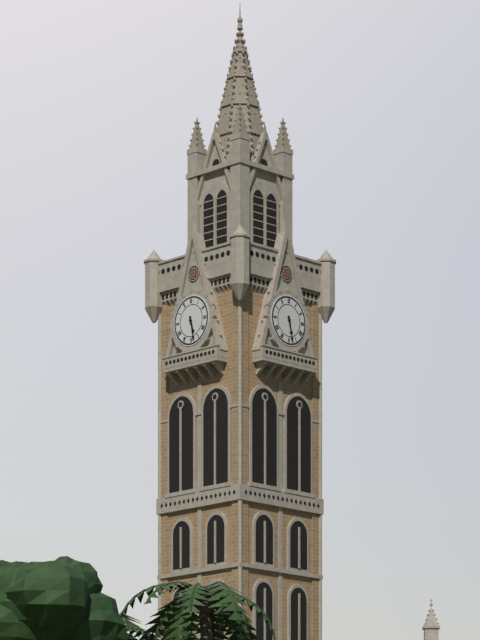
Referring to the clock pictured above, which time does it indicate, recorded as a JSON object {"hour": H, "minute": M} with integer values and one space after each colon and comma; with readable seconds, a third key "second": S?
{"hour": 5, "minute": 28}
